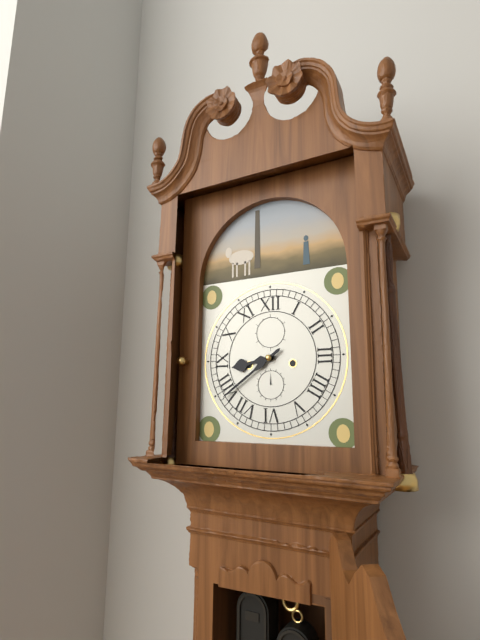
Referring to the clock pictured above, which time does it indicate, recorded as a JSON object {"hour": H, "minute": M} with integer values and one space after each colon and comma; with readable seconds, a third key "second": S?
{"hour": 8, "minute": 39}
